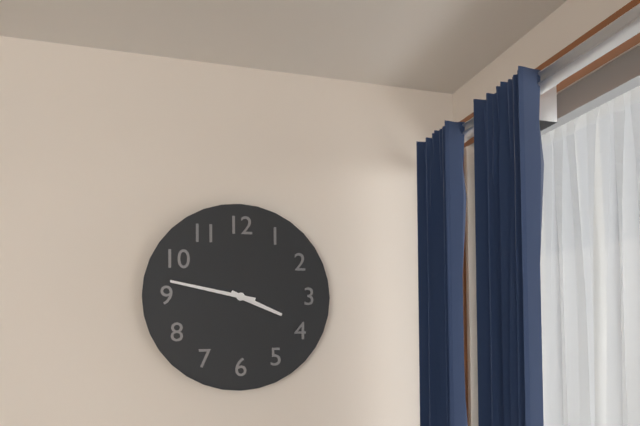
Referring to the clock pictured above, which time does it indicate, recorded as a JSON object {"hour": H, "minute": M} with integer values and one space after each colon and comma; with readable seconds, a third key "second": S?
{"hour": 3, "minute": 47}
